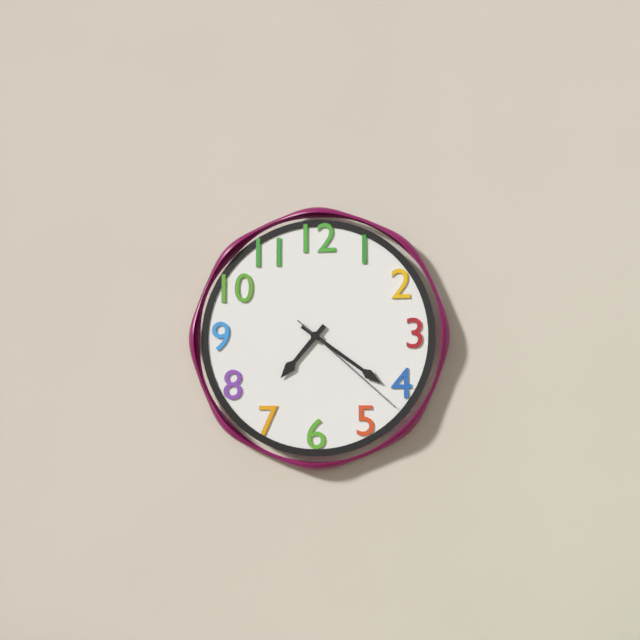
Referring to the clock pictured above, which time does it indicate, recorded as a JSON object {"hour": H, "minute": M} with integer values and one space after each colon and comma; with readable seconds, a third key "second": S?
{"hour": 7, "minute": 21, "second": 22}
